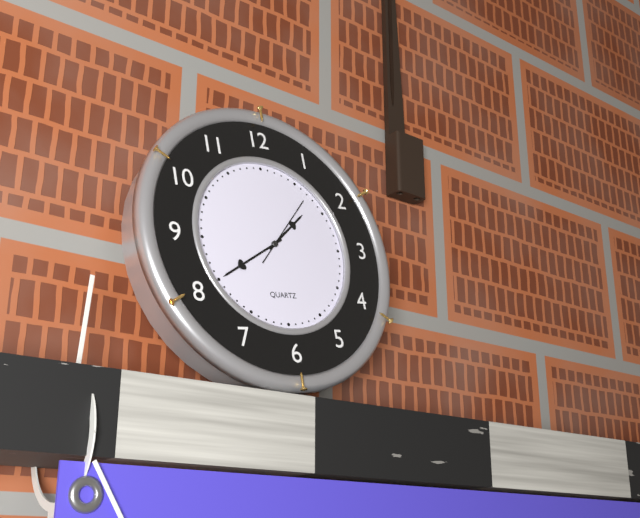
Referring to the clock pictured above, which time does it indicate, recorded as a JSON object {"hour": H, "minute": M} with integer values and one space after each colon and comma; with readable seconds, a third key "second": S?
{"hour": 1, "minute": 40, "second": 7}
